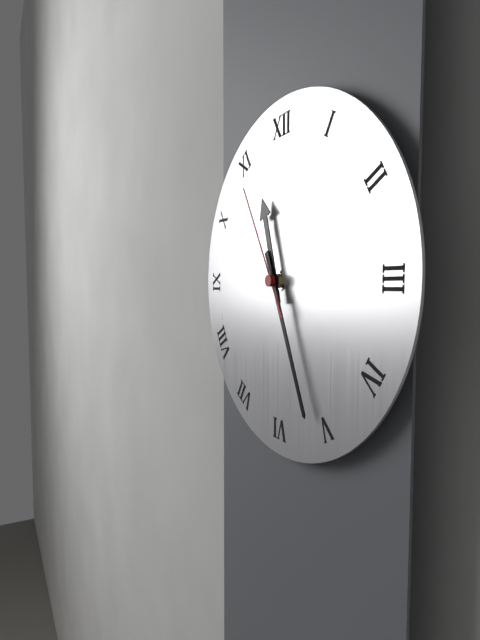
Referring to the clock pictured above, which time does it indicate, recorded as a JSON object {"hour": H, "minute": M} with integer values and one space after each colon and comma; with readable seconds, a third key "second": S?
{"hour": 11, "minute": 26, "second": 55}
